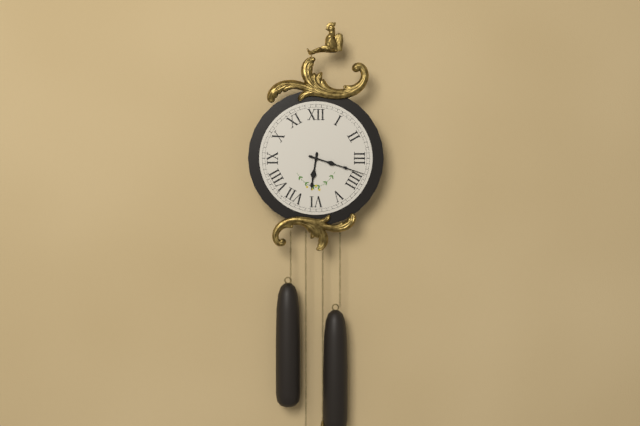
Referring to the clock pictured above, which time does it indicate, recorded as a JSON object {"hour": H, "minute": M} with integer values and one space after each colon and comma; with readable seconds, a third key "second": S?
{"hour": 6, "minute": 18}
